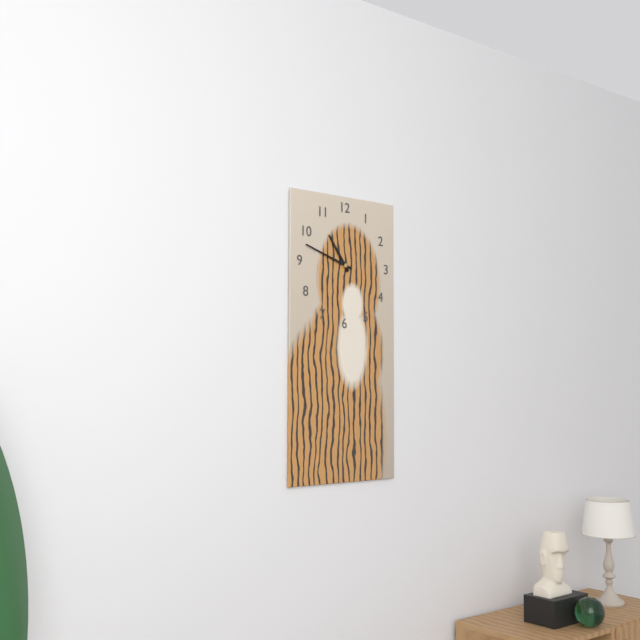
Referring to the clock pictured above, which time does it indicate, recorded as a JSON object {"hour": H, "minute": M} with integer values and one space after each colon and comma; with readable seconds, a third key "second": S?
{"hour": 10, "minute": 48}
